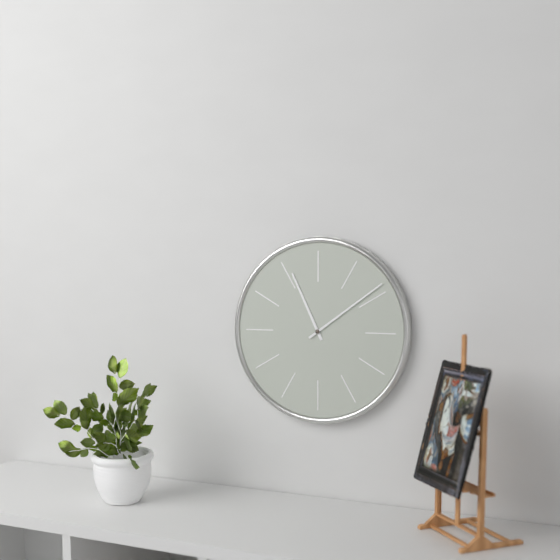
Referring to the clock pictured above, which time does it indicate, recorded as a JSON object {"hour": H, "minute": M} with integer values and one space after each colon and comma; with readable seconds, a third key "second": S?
{"hour": 11, "minute": 9}
